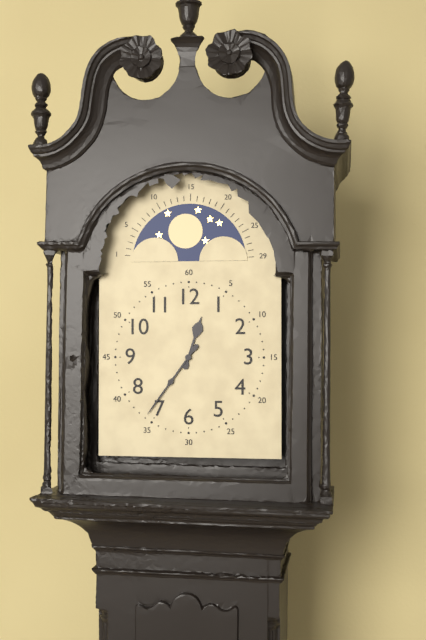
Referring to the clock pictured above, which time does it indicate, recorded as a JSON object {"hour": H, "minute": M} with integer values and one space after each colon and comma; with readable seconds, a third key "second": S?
{"hour": 12, "minute": 36}
